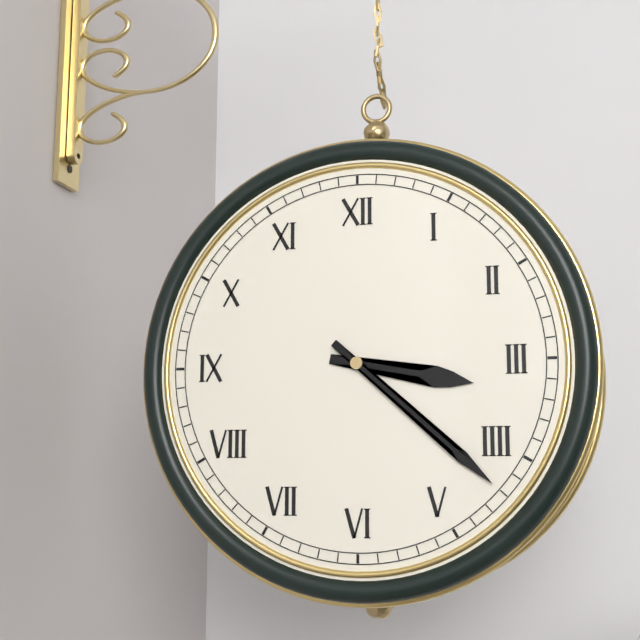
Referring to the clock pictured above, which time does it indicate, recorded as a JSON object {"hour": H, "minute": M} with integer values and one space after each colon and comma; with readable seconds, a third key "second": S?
{"hour": 3, "minute": 22}
